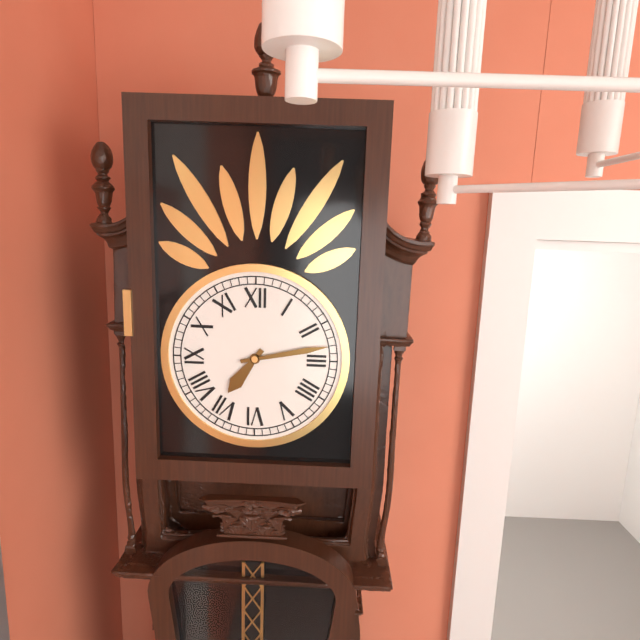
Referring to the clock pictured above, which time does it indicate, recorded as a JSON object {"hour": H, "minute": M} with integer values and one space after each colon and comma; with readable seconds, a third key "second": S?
{"hour": 7, "minute": 13}
